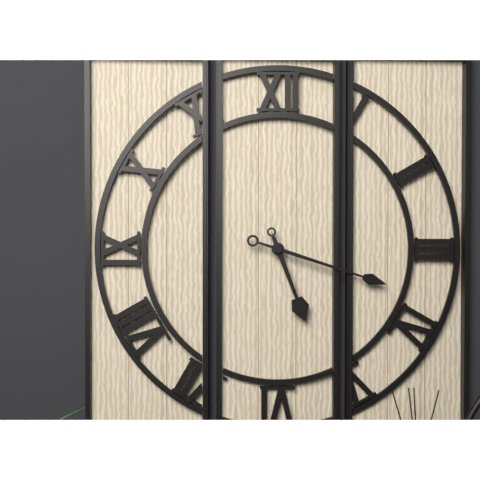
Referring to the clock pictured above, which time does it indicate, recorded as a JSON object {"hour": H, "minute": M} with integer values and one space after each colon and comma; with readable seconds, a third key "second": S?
{"hour": 5, "minute": 18}
